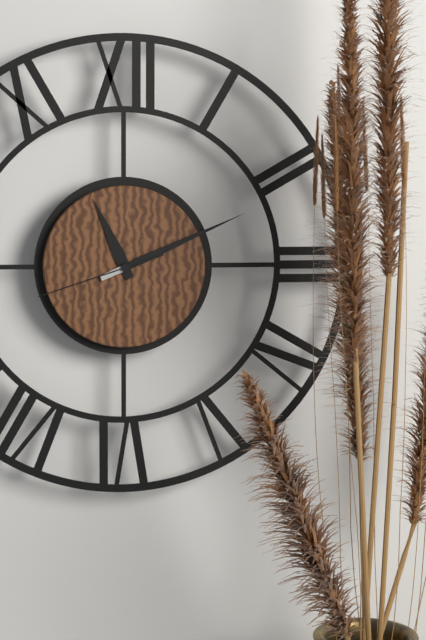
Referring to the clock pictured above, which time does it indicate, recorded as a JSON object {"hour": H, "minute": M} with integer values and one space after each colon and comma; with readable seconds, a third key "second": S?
{"hour": 11, "minute": 11, "second": 42}
